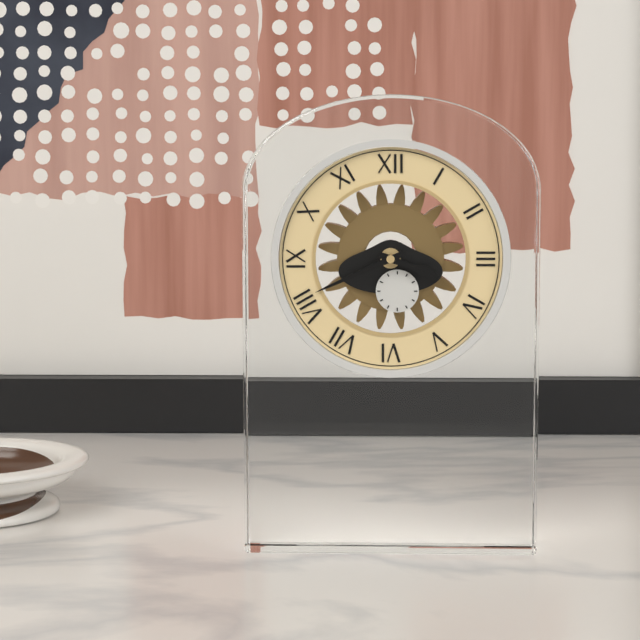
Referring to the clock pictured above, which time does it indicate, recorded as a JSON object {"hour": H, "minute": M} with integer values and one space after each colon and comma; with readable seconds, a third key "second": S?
{"hour": 3, "minute": 41}
